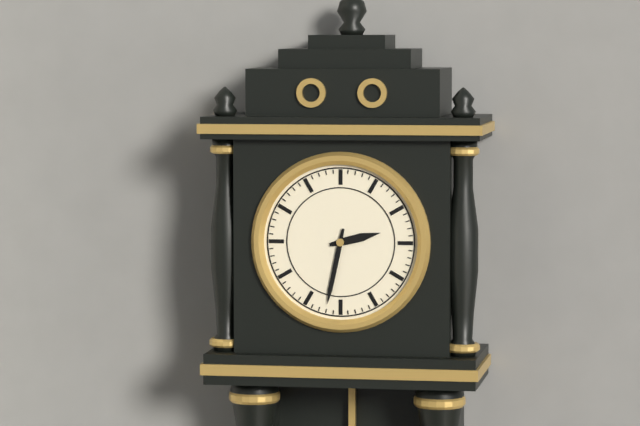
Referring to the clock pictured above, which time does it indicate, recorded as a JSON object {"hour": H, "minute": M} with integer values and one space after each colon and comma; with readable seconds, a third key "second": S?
{"hour": 2, "minute": 32}
